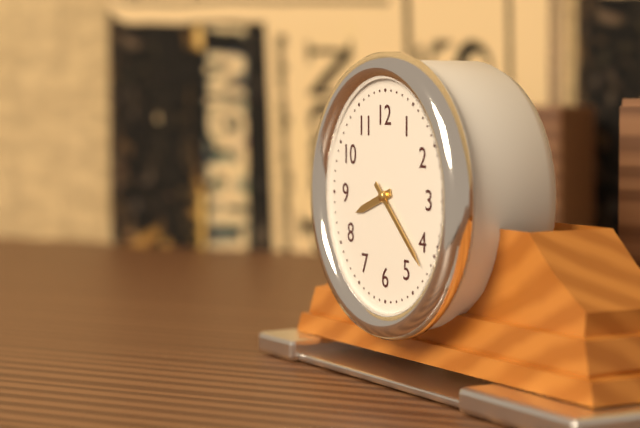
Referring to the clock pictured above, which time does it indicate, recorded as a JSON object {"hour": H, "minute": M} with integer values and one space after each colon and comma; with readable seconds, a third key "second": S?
{"hour": 8, "minute": 22}
